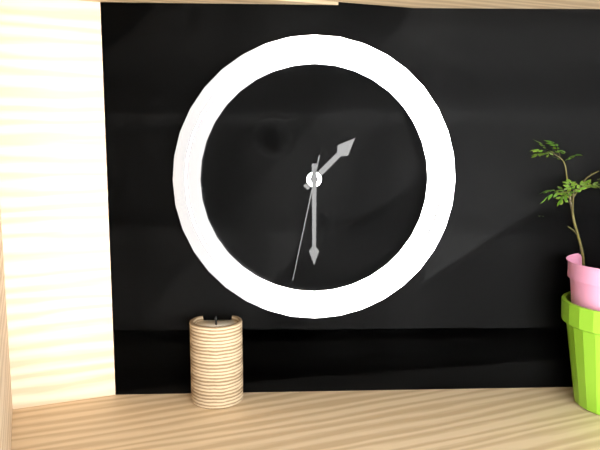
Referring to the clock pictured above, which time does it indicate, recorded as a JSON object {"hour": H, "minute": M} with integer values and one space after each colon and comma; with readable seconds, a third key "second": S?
{"hour": 1, "minute": 30, "second": 32}
